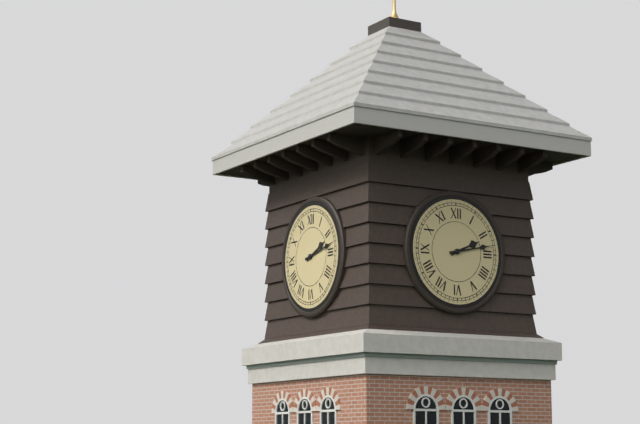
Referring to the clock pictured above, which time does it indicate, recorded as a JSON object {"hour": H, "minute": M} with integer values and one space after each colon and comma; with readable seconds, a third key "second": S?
{"hour": 2, "minute": 13}
